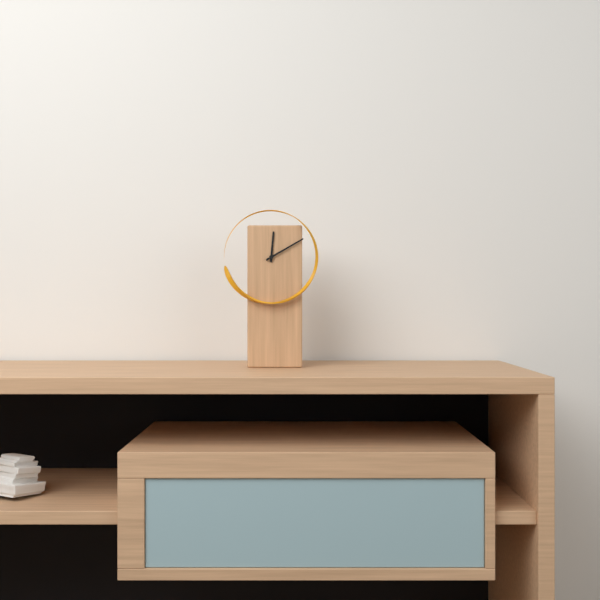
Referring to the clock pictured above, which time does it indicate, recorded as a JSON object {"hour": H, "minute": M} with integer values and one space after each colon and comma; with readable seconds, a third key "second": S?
{"hour": 12, "minute": 10}
